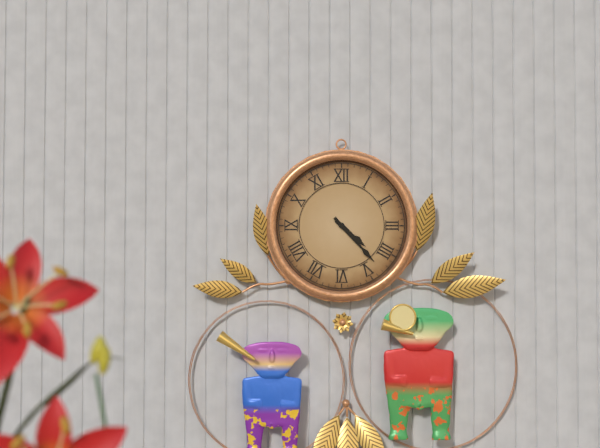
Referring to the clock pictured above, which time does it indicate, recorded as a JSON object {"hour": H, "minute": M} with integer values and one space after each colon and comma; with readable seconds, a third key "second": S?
{"hour": 4, "minute": 23}
